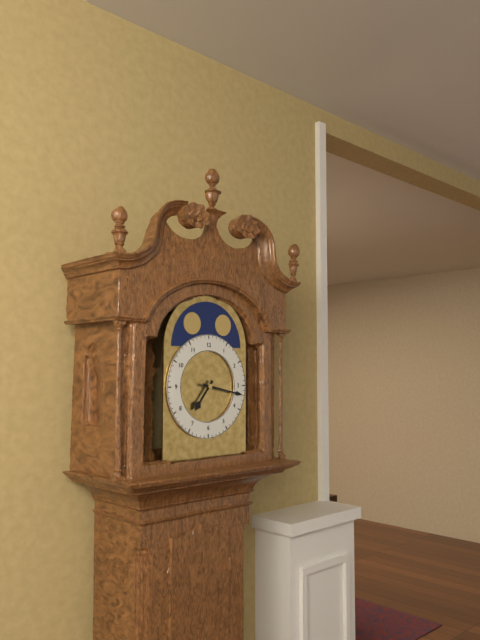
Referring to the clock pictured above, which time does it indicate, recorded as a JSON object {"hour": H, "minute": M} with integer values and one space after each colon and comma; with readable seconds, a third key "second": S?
{"hour": 7, "minute": 17}
